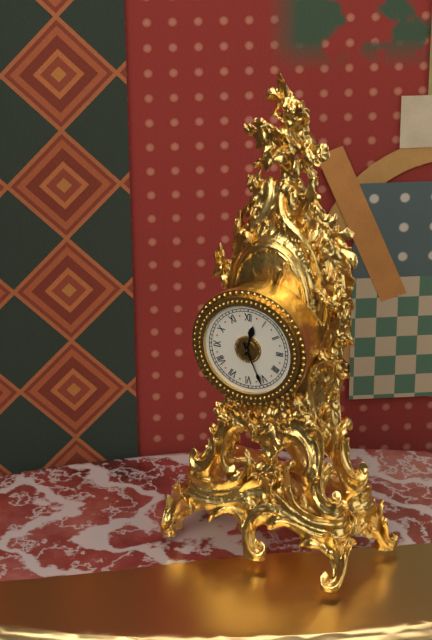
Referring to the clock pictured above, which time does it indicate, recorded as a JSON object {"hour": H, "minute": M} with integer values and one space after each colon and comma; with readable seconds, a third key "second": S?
{"hour": 12, "minute": 26}
